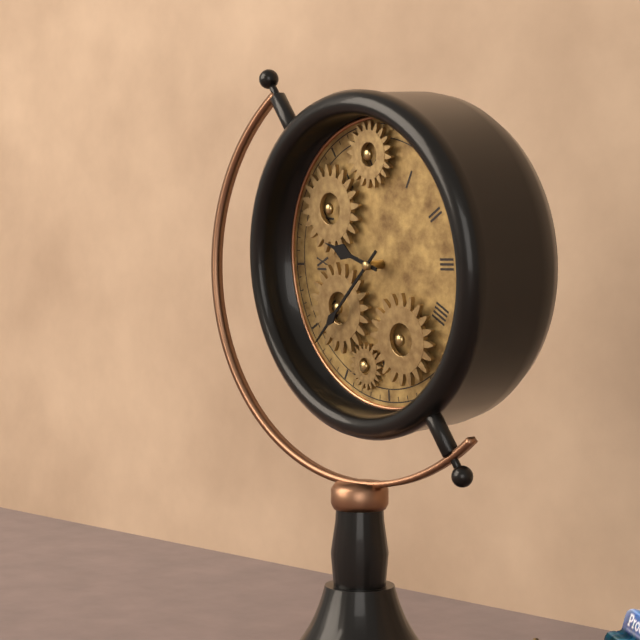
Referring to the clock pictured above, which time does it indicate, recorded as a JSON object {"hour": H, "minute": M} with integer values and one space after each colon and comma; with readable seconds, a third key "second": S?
{"hour": 9, "minute": 38}
